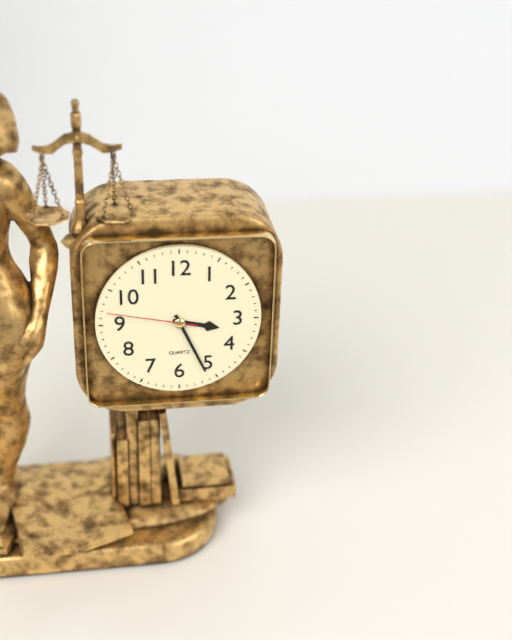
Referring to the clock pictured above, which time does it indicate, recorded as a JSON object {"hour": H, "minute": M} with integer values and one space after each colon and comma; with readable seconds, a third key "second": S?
{"hour": 3, "minute": 26, "second": 47}
